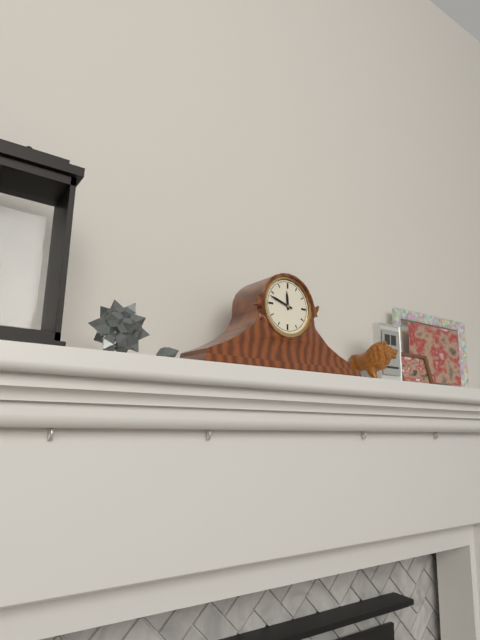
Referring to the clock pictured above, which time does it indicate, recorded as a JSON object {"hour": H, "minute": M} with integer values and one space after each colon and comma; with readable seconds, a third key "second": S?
{"hour": 11, "minute": 48}
